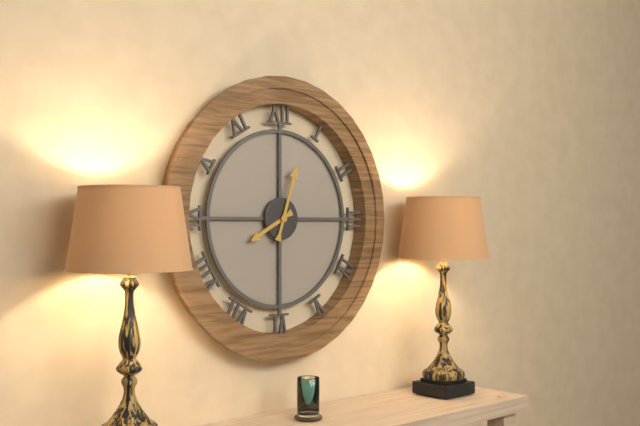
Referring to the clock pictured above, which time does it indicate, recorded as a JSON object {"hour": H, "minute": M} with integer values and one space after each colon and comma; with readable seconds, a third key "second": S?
{"hour": 8, "minute": 3}
